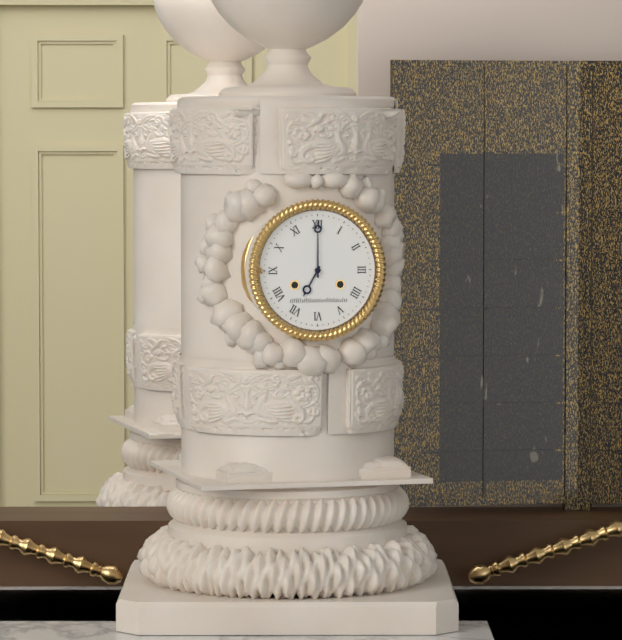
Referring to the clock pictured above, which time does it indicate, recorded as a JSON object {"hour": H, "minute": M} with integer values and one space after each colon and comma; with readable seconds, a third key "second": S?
{"hour": 7, "minute": 0}
